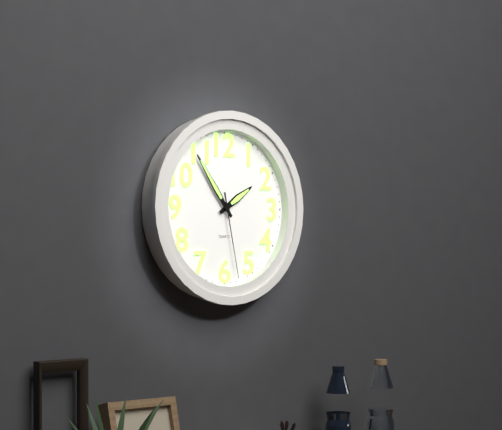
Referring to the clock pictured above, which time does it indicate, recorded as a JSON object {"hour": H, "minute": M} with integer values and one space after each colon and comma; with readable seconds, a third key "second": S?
{"hour": 1, "minute": 54, "second": 28}
